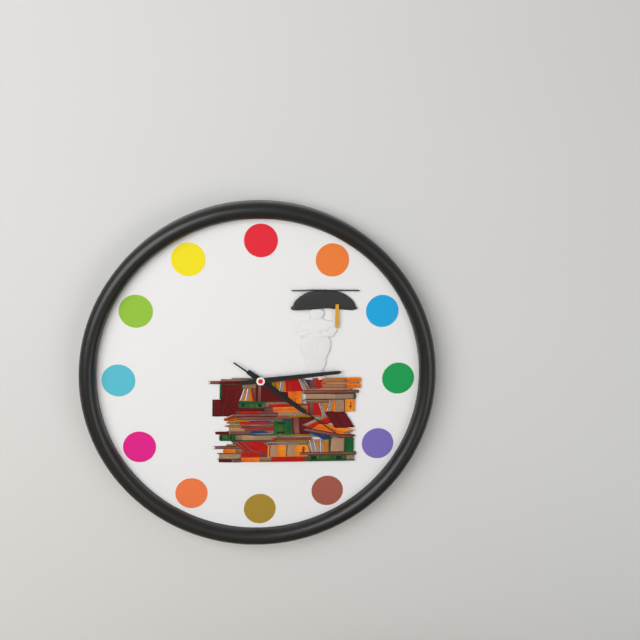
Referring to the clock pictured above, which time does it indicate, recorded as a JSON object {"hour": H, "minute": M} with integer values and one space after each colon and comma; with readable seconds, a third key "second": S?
{"hour": 4, "minute": 14, "second": 21}
